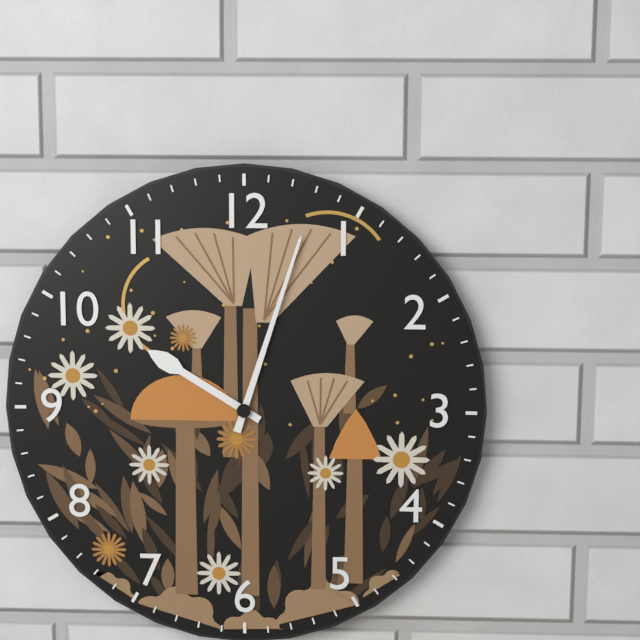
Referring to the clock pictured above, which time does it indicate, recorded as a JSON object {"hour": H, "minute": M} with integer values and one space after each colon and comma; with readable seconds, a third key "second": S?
{"hour": 10, "minute": 3}
